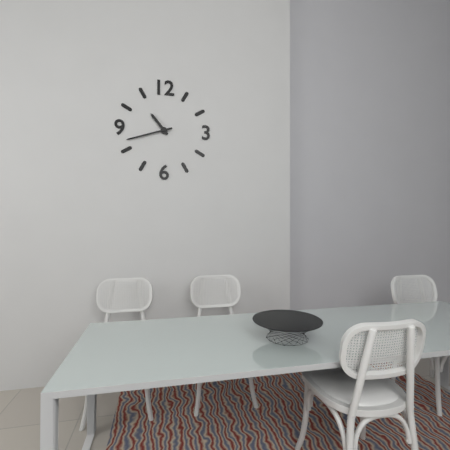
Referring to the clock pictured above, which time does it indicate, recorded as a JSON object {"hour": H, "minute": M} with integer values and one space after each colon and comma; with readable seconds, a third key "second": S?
{"hour": 10, "minute": 42}
